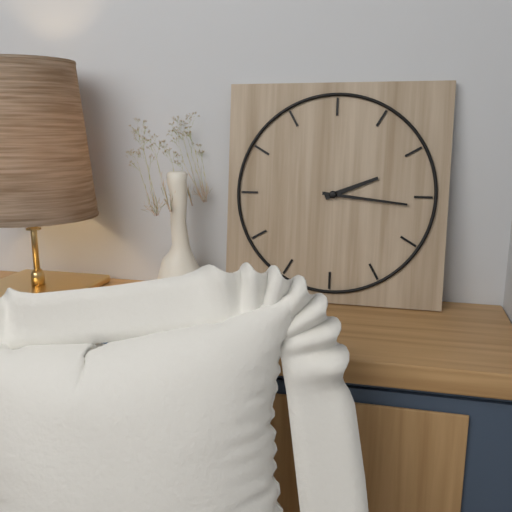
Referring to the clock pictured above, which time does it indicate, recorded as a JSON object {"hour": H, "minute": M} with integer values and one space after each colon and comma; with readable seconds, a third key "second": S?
{"hour": 2, "minute": 16}
